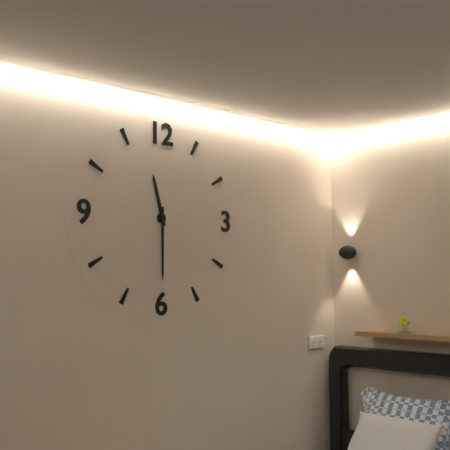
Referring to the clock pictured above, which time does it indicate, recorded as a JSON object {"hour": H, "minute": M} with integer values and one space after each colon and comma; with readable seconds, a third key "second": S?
{"hour": 11, "minute": 30}
